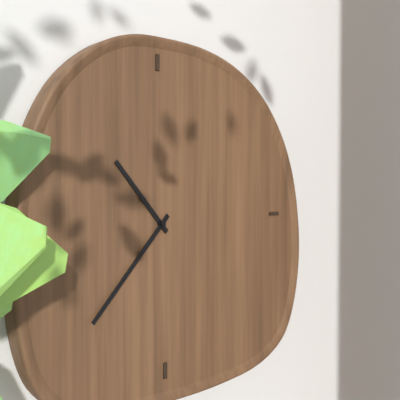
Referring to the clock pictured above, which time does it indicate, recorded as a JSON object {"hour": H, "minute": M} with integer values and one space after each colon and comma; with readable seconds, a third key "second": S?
{"hour": 10, "minute": 37}
